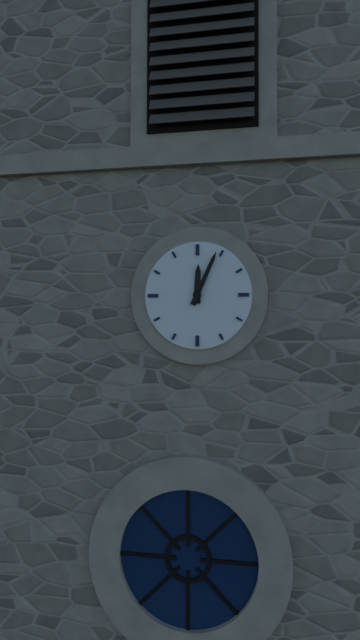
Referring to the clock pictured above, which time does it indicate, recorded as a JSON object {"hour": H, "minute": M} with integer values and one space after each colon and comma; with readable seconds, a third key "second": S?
{"hour": 12, "minute": 4}
